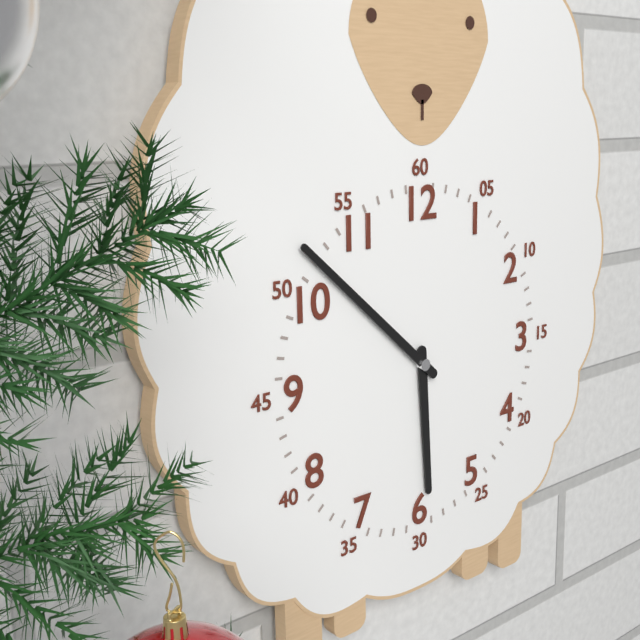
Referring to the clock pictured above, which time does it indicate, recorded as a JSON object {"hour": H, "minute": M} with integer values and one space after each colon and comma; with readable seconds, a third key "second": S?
{"hour": 5, "minute": 52}
